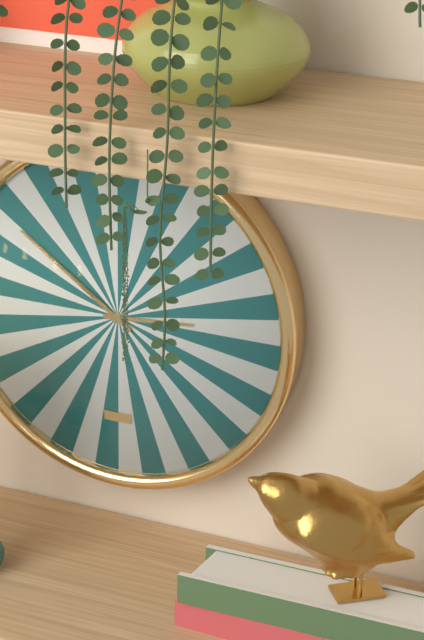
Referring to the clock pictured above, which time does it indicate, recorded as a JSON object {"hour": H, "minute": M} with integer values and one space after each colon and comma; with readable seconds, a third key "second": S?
{"hour": 2, "minute": 51}
